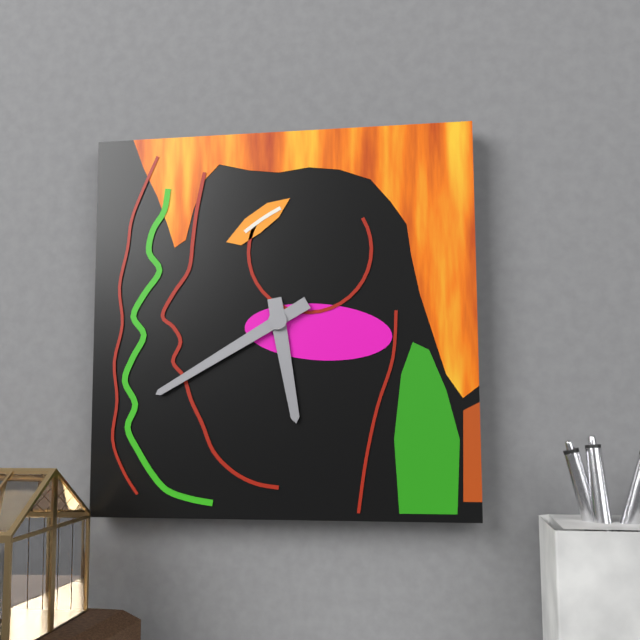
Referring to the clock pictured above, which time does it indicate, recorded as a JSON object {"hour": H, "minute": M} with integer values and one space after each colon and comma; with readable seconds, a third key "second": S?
{"hour": 5, "minute": 40}
